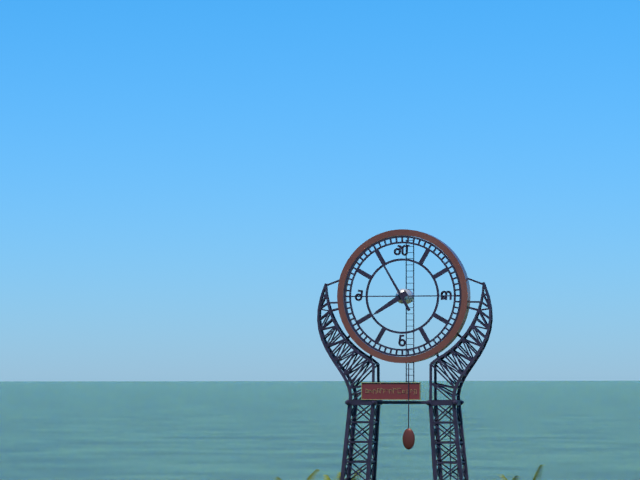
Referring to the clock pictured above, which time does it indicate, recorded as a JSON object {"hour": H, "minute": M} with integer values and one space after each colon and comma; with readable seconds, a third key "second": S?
{"hour": 7, "minute": 55}
